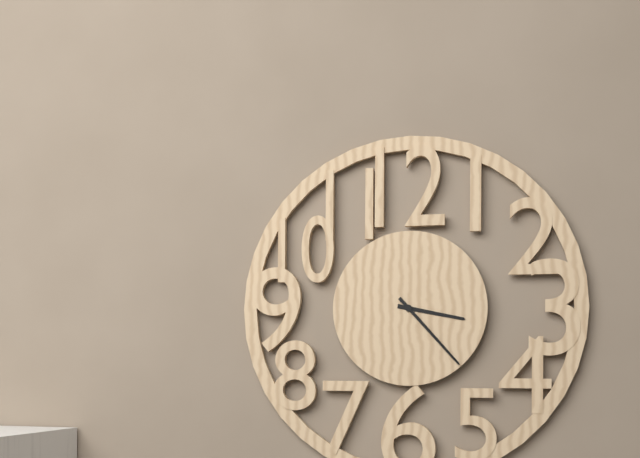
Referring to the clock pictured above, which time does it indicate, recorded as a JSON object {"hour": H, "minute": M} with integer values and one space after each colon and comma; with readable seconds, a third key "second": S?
{"hour": 3, "minute": 23}
